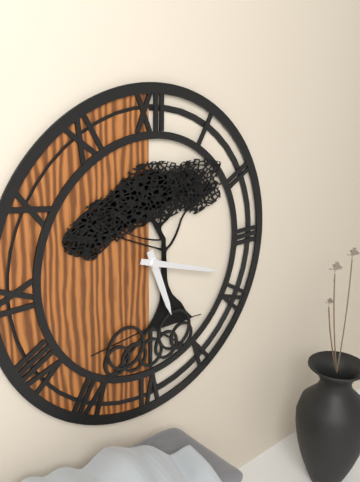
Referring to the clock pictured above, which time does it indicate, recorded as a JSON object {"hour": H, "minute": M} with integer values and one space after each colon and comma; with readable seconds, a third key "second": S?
{"hour": 5, "minute": 18}
